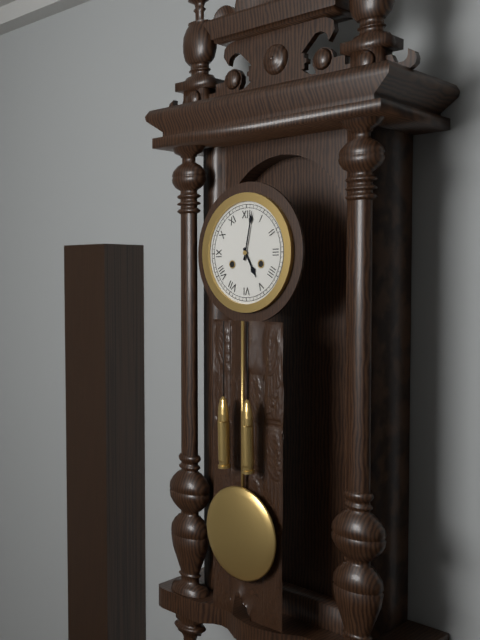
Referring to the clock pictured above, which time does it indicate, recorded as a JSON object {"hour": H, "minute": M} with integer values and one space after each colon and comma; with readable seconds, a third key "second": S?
{"hour": 5, "minute": 2}
